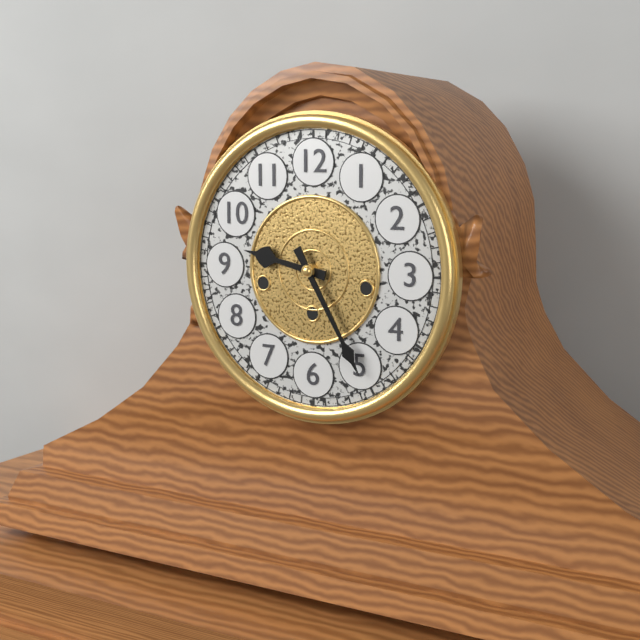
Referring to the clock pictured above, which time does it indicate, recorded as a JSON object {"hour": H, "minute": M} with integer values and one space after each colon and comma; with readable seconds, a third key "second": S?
{"hour": 9, "minute": 25}
